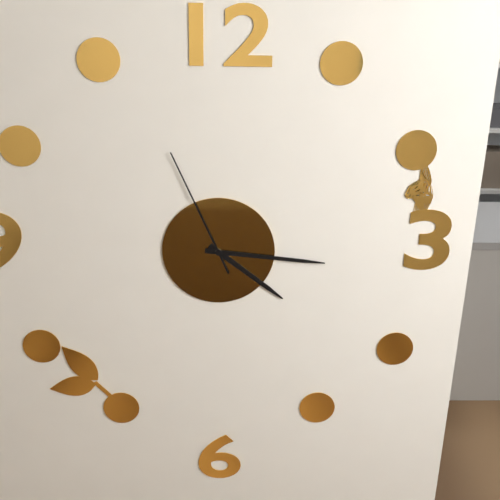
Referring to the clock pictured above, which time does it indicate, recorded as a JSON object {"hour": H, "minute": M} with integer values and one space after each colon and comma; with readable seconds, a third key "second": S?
{"hour": 4, "minute": 16, "second": 56}
